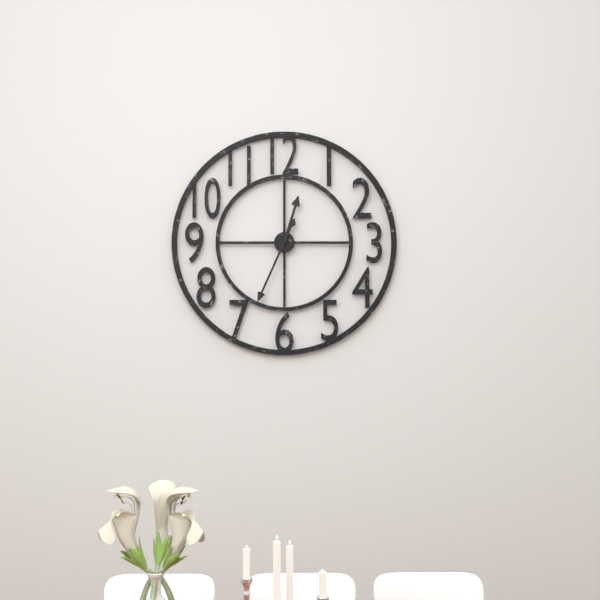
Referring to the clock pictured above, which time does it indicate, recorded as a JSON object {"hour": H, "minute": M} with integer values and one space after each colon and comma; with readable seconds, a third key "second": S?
{"hour": 12, "minute": 34}
